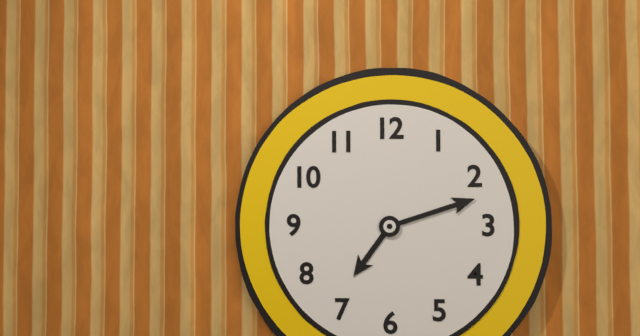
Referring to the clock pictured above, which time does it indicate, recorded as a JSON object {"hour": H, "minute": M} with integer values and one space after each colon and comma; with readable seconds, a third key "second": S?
{"hour": 7, "minute": 12}
